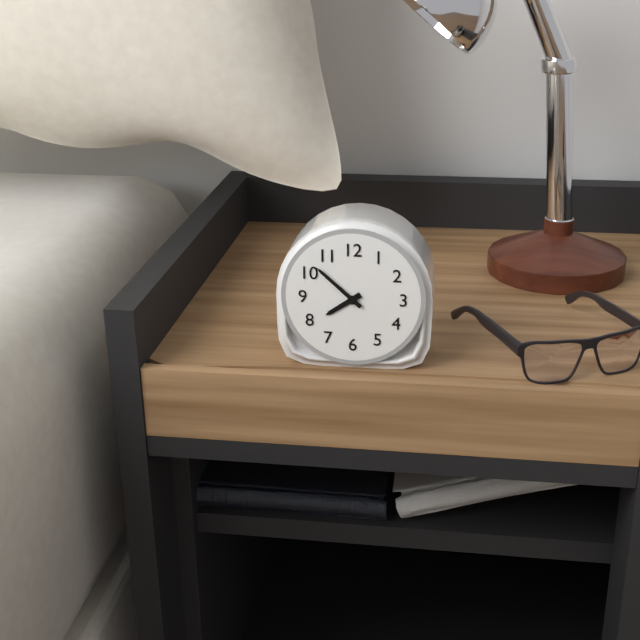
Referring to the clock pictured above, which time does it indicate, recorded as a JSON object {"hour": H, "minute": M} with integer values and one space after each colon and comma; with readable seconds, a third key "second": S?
{"hour": 7, "minute": 52}
